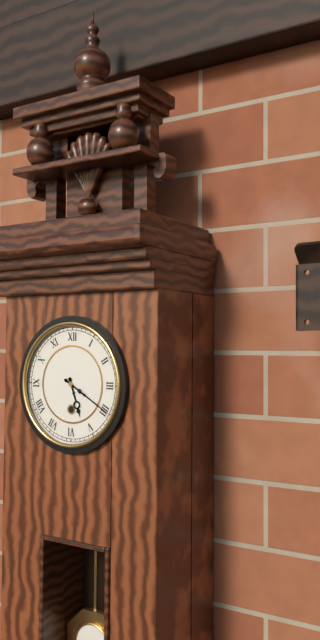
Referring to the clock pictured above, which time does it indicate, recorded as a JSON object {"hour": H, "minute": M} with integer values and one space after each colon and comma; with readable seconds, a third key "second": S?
{"hour": 5, "minute": 20}
